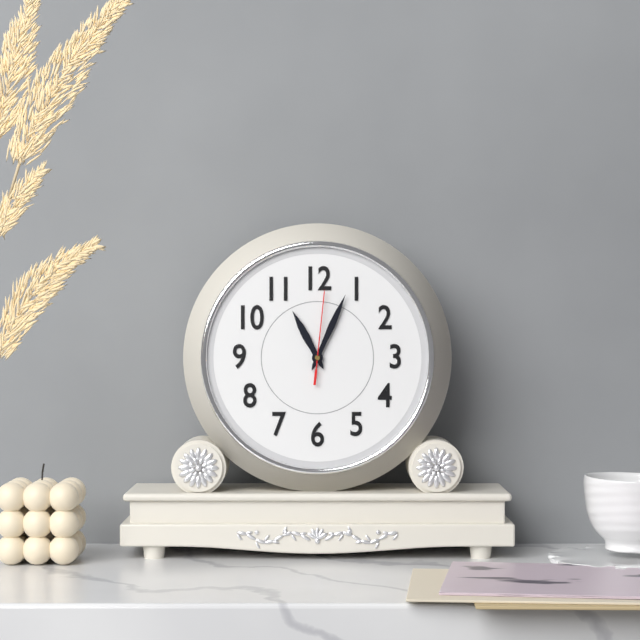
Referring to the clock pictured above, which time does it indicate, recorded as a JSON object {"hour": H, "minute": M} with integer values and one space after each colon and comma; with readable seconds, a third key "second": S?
{"hour": 11, "minute": 4, "second": 1}
